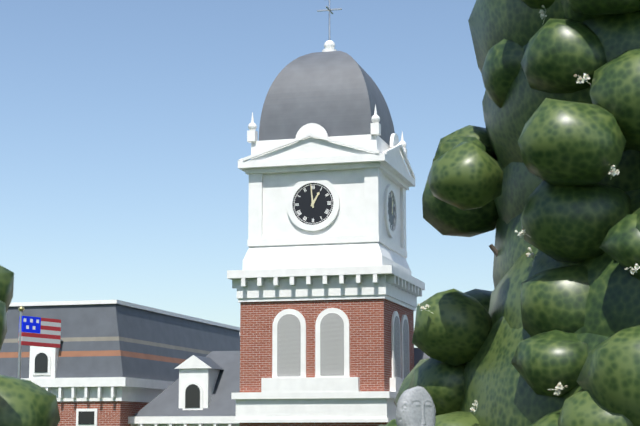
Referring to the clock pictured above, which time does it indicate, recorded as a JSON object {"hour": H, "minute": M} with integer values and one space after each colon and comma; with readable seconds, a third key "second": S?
{"hour": 12, "minute": 59}
